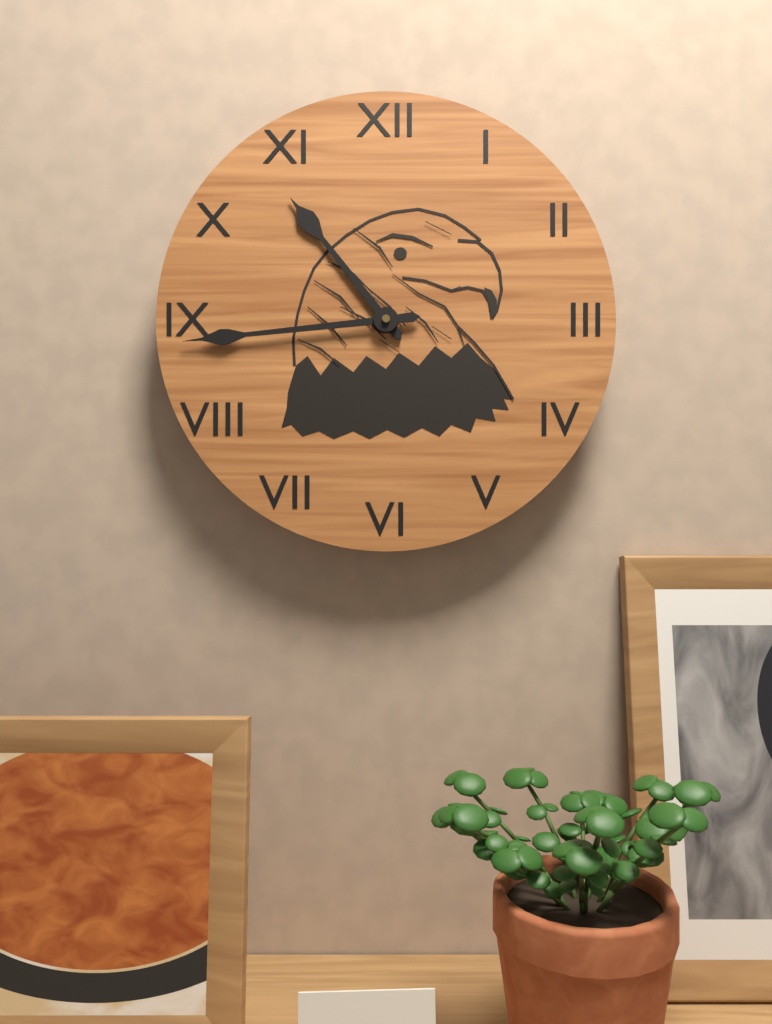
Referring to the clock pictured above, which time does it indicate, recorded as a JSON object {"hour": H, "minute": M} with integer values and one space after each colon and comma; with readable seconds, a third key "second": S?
{"hour": 10, "minute": 44}
